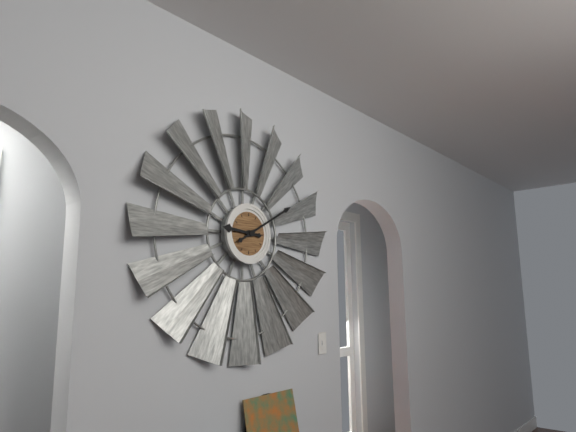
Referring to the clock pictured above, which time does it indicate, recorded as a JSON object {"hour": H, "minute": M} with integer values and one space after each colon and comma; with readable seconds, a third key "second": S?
{"hour": 9, "minute": 10}
